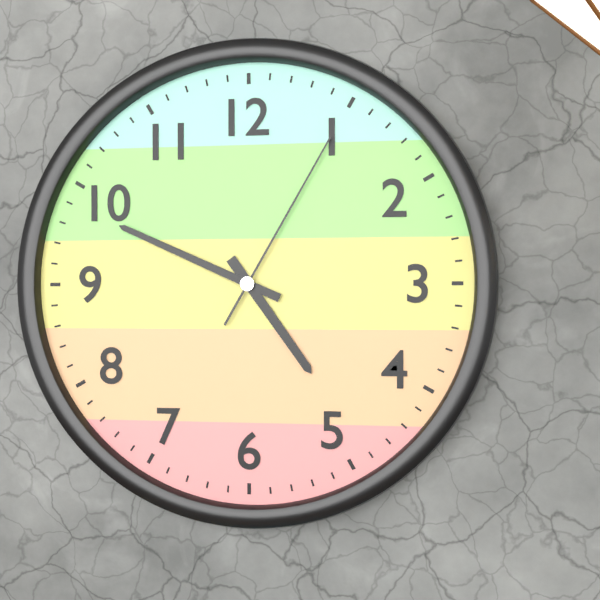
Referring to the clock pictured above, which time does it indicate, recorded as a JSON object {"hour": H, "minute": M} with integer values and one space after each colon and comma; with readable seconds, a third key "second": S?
{"hour": 4, "minute": 49, "second": 5}
